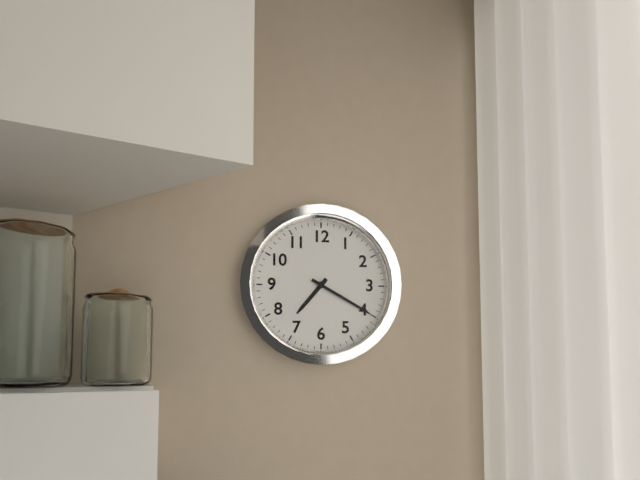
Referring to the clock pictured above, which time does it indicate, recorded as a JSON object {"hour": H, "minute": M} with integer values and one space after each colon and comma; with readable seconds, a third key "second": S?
{"hour": 7, "minute": 20}
